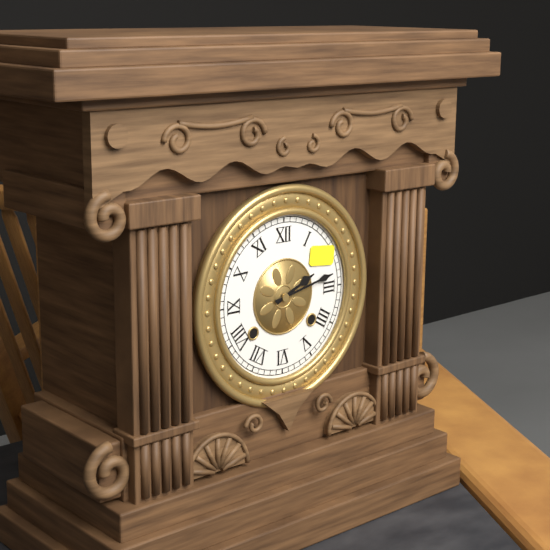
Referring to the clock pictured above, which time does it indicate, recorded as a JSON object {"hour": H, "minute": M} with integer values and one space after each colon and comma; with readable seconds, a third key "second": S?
{"hour": 2, "minute": 13}
